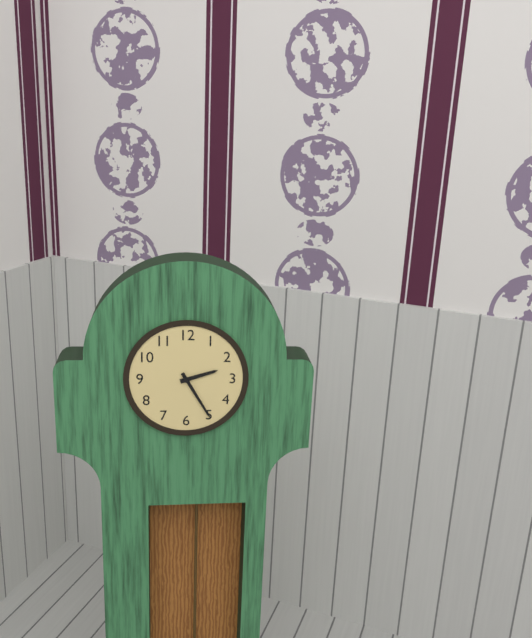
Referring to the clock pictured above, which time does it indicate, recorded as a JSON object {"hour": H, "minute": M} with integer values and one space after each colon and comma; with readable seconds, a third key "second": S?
{"hour": 2, "minute": 25}
